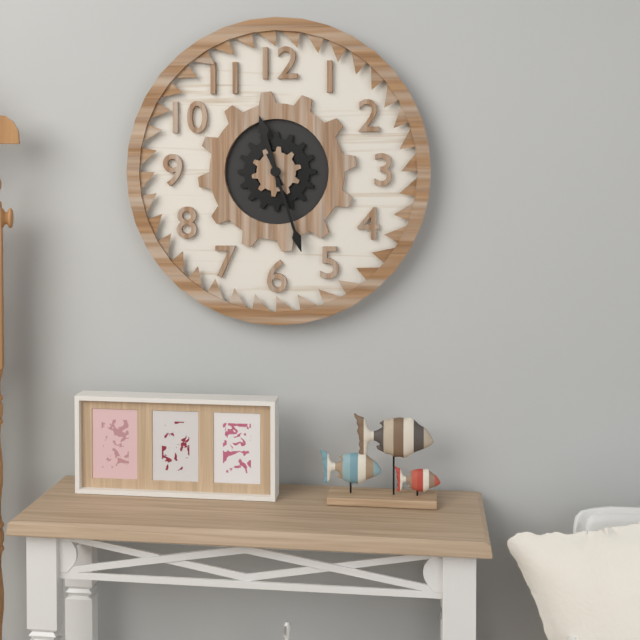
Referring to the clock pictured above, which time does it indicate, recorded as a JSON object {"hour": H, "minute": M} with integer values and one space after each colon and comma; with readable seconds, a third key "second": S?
{"hour": 11, "minute": 27}
